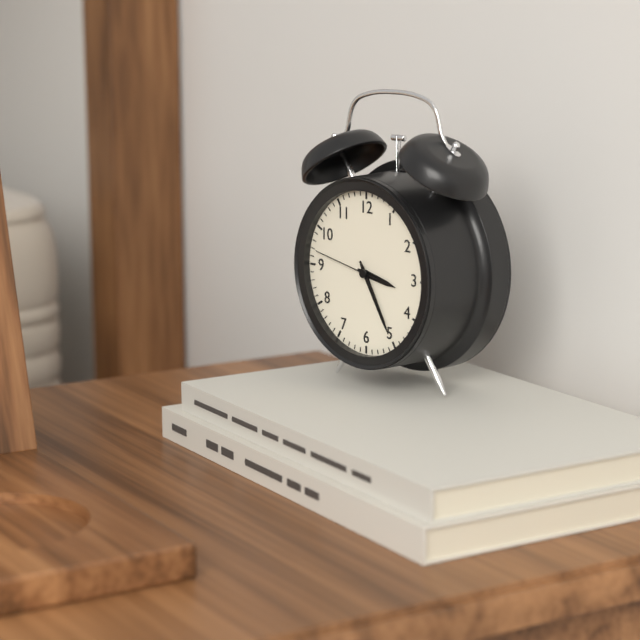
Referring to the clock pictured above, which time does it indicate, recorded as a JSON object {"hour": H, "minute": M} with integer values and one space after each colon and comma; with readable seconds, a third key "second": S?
{"hour": 3, "minute": 25, "second": 47}
